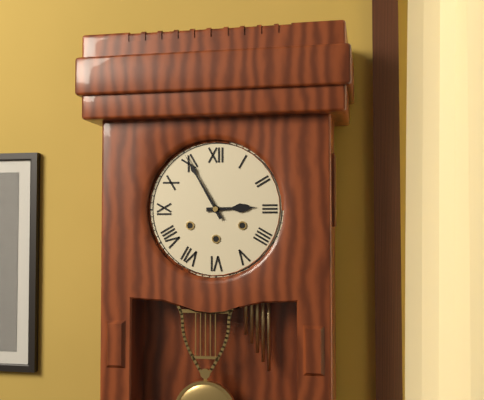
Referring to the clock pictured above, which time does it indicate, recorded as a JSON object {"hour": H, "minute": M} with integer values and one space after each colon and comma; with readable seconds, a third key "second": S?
{"hour": 2, "minute": 55}
